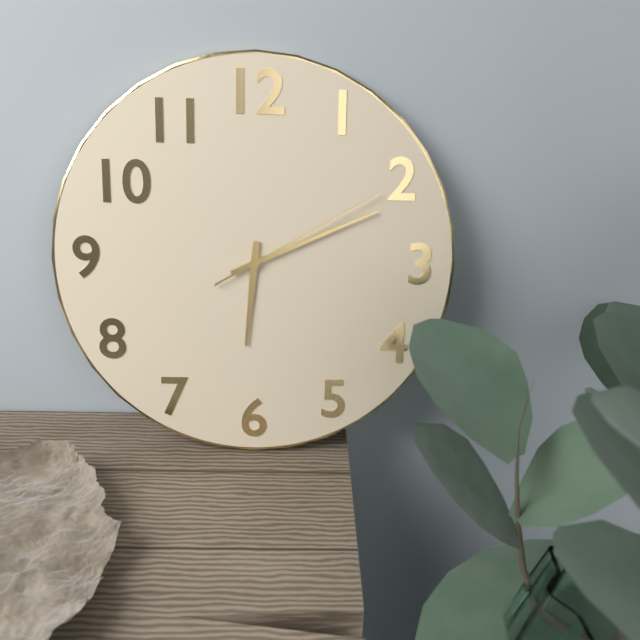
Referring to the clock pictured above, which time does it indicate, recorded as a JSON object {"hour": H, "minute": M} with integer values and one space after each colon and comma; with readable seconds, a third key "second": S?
{"hour": 6, "minute": 11, "second": 10}
